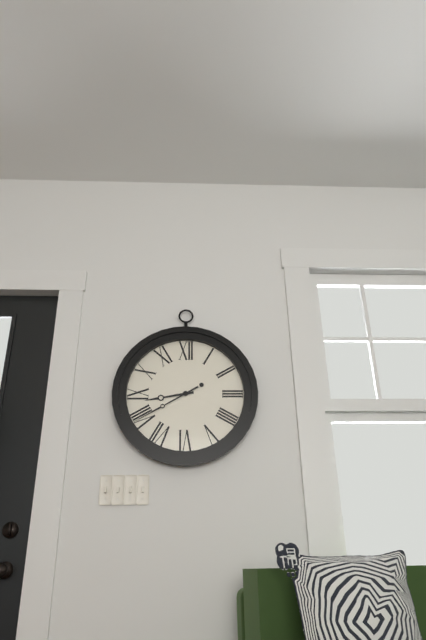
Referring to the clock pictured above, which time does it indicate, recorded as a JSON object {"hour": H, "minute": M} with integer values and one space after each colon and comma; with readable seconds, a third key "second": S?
{"hour": 8, "minute": 40}
